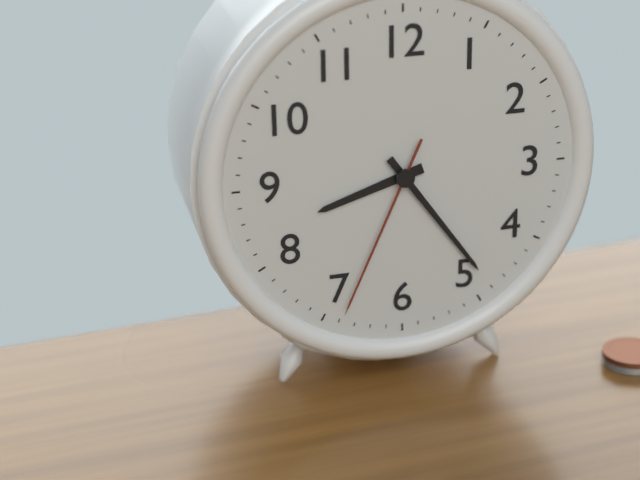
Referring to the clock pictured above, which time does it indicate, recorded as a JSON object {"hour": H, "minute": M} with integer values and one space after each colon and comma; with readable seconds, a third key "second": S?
{"hour": 8, "minute": 24, "second": 34}
